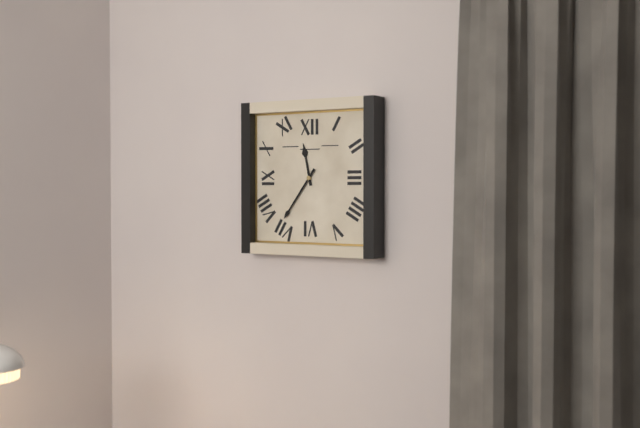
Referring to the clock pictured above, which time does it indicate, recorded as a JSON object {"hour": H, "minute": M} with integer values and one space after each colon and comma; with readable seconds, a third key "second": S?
{"hour": 11, "minute": 36}
